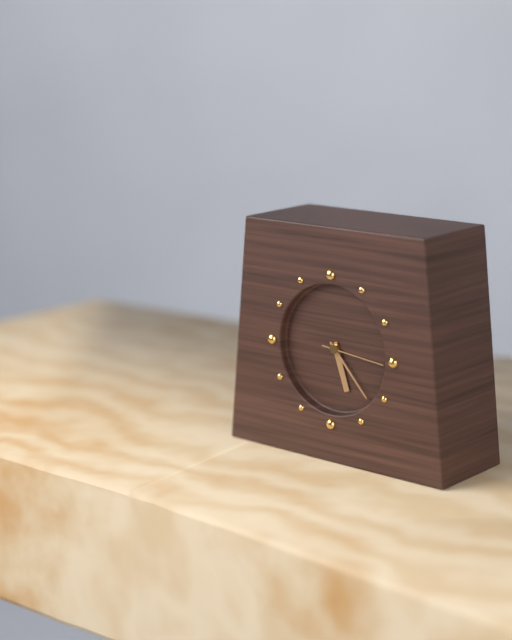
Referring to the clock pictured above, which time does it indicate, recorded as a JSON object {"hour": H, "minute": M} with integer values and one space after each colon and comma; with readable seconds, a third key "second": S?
{"hour": 5, "minute": 23, "second": 16}
